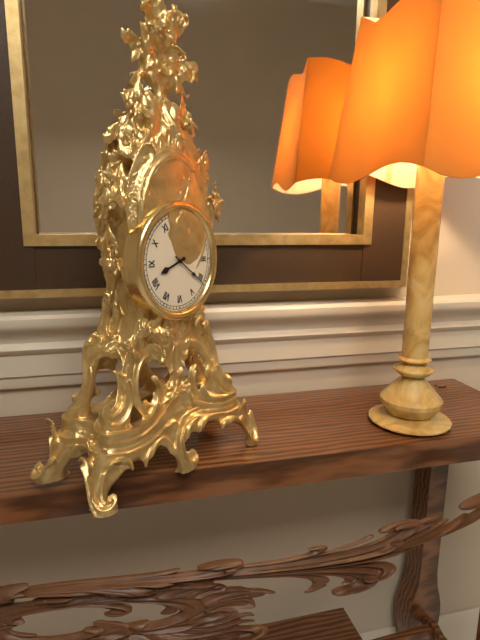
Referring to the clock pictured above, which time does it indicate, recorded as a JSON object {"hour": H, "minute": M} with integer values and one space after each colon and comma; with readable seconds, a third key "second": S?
{"hour": 8, "minute": 21}
